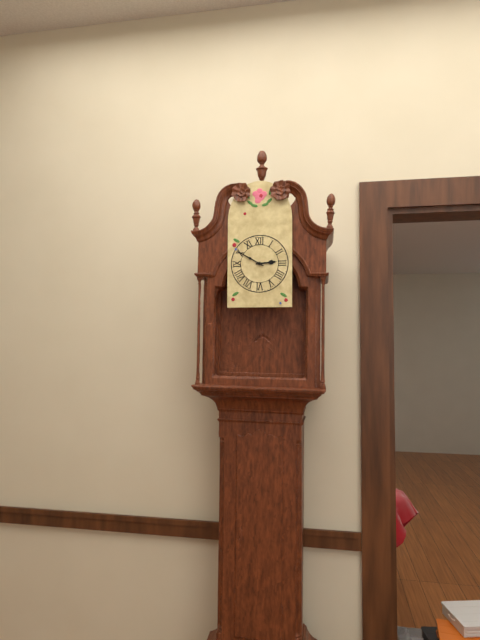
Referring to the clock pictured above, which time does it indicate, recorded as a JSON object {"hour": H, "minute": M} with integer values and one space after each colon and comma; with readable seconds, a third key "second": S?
{"hour": 2, "minute": 50}
